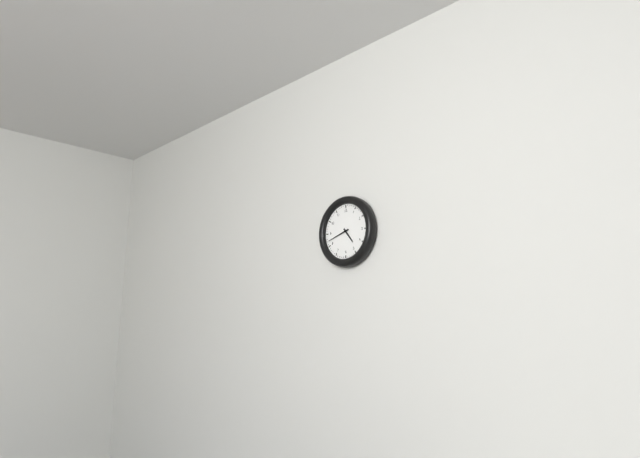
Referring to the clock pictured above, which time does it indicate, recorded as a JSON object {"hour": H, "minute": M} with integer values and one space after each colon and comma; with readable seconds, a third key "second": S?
{"hour": 4, "minute": 42}
